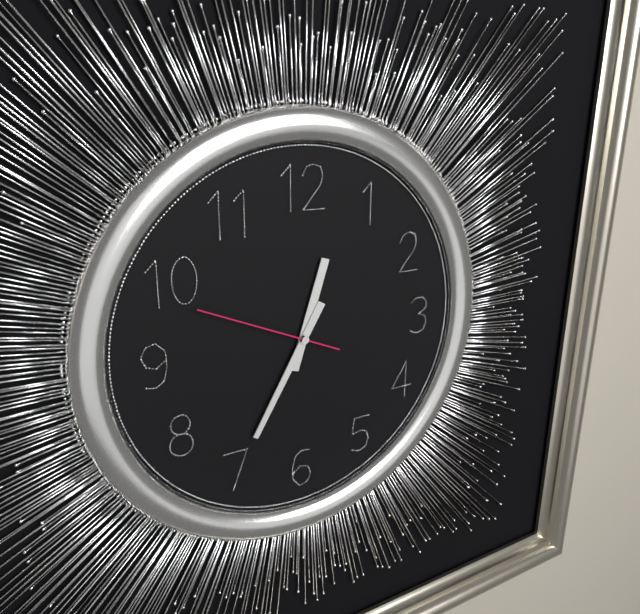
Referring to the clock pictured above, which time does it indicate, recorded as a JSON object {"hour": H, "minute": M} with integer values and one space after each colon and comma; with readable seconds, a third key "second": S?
{"hour": 12, "minute": 35, "second": 49}
